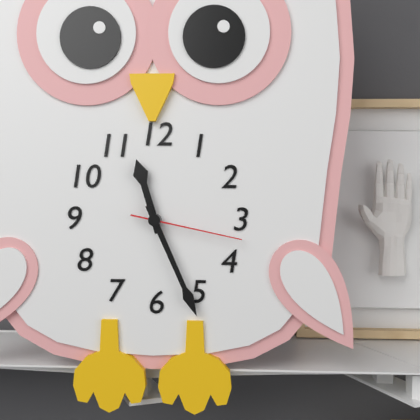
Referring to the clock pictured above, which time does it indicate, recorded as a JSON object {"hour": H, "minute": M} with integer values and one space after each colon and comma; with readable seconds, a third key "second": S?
{"hour": 11, "minute": 26, "second": 17}
